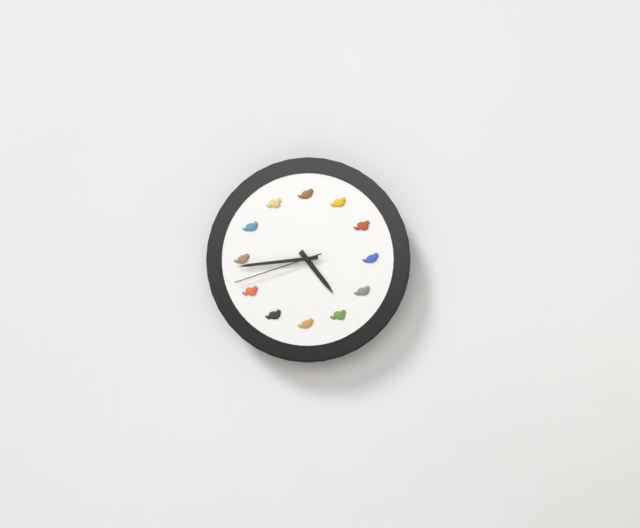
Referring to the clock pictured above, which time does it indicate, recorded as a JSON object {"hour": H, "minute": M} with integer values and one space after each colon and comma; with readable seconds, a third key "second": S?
{"hour": 4, "minute": 44, "second": 42}
